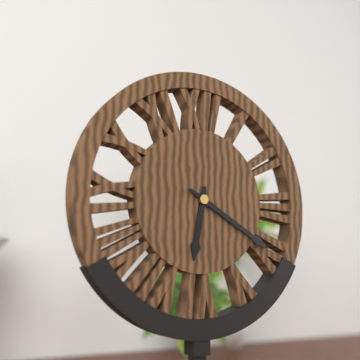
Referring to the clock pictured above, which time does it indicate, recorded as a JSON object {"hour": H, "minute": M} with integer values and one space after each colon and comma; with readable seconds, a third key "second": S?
{"hour": 6, "minute": 20}
